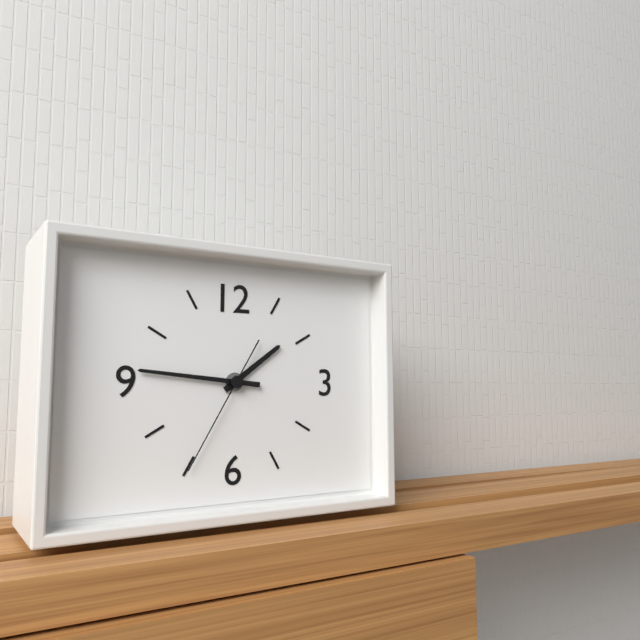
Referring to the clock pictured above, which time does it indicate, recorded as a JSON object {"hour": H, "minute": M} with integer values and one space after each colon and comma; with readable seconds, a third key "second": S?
{"hour": 1, "minute": 46, "second": 35}
